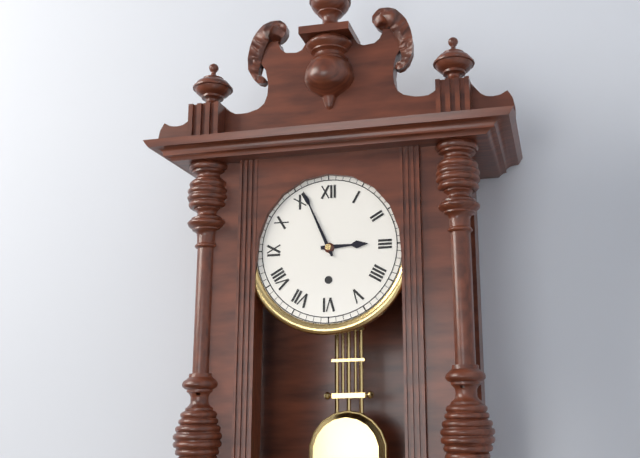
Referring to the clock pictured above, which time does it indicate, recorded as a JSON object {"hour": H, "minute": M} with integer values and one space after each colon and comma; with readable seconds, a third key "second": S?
{"hour": 2, "minute": 56}
